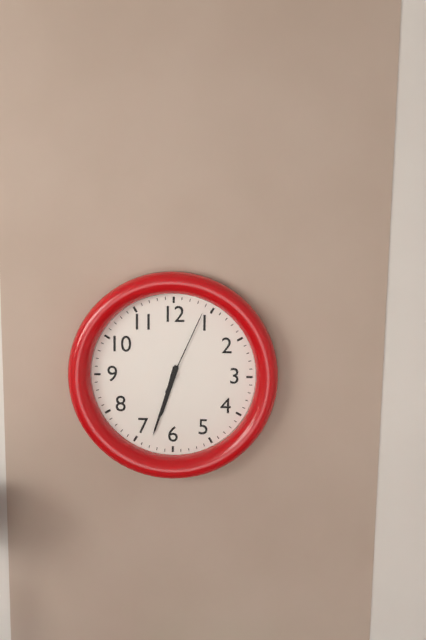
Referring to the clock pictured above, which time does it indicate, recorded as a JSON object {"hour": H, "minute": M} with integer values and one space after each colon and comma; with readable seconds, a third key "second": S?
{"hour": 6, "minute": 33, "second": 4}
